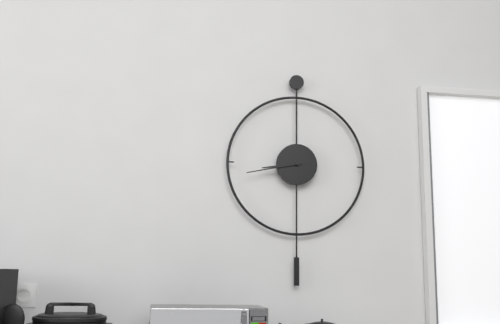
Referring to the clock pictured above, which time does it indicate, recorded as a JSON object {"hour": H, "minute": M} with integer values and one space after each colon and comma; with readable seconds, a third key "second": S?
{"hour": 8, "minute": 43}
